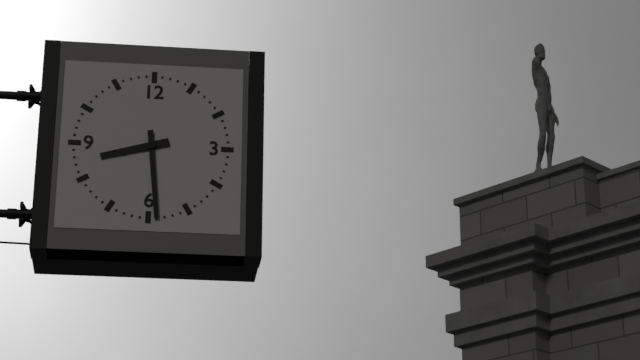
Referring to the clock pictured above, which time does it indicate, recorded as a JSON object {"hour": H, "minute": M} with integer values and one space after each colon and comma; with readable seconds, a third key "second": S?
{"hour": 8, "minute": 29}
